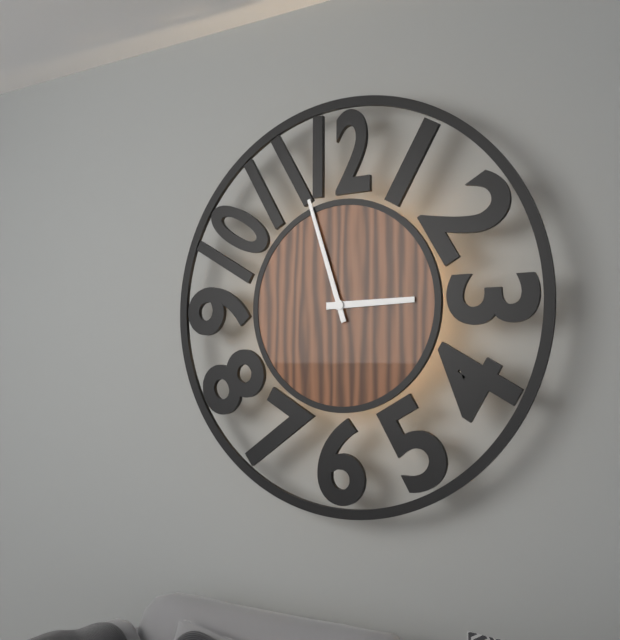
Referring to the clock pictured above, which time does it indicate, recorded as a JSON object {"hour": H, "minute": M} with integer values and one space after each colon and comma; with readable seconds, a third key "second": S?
{"hour": 2, "minute": 57}
